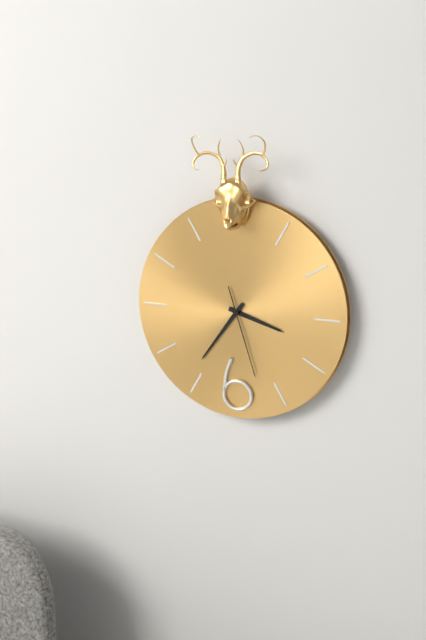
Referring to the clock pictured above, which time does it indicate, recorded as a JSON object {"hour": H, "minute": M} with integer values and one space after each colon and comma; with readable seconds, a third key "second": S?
{"hour": 3, "minute": 36, "second": 27}
